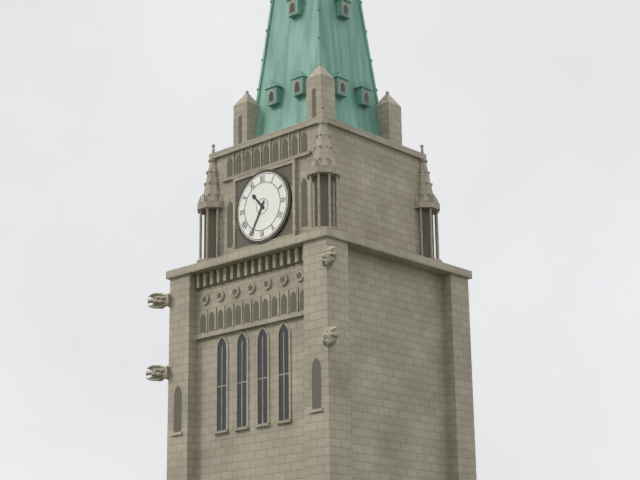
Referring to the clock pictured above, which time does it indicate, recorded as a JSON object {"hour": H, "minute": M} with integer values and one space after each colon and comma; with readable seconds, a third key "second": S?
{"hour": 10, "minute": 35}
